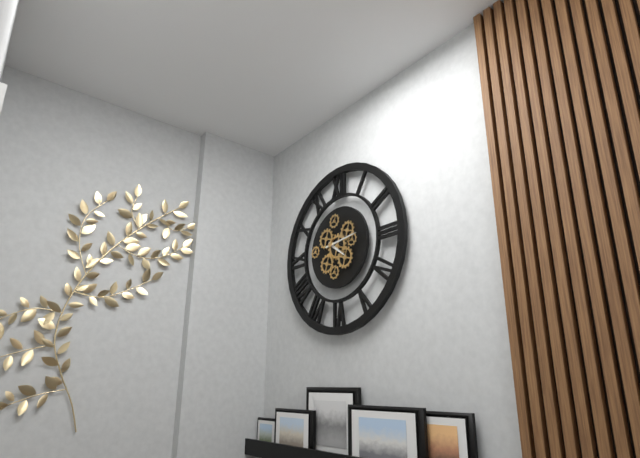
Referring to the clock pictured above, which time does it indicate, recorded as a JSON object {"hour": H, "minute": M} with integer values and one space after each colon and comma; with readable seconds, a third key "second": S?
{"hour": 4, "minute": 14}
